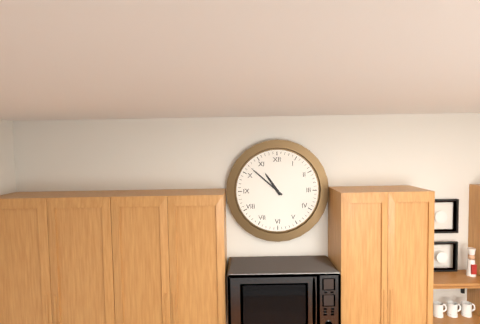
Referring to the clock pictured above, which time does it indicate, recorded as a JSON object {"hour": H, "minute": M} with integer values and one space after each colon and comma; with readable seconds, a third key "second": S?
{"hour": 10, "minute": 52}
